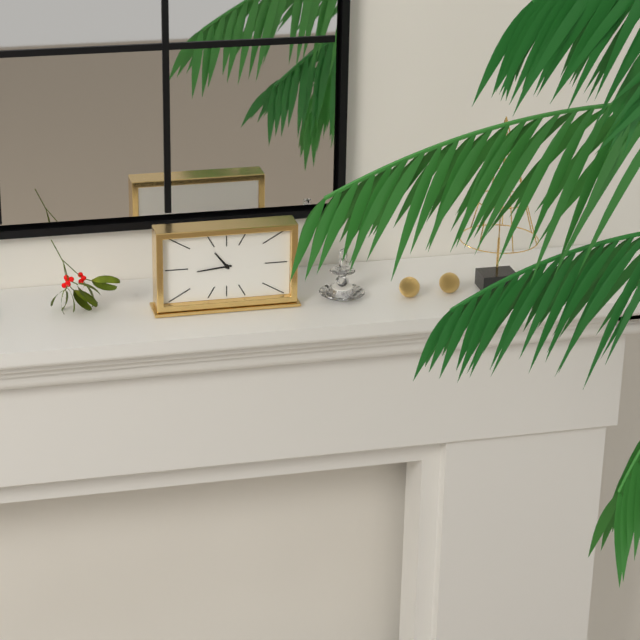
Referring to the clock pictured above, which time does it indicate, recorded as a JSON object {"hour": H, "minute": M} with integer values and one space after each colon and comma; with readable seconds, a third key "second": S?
{"hour": 10, "minute": 44}
